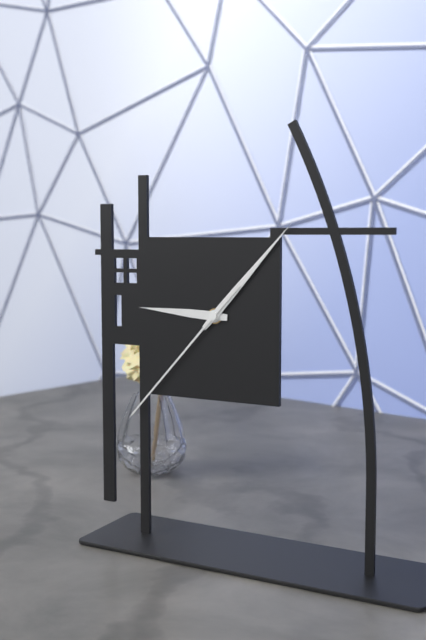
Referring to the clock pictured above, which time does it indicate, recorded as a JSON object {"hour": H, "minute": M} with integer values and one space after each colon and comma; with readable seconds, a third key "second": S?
{"hour": 9, "minute": 7, "second": 37}
